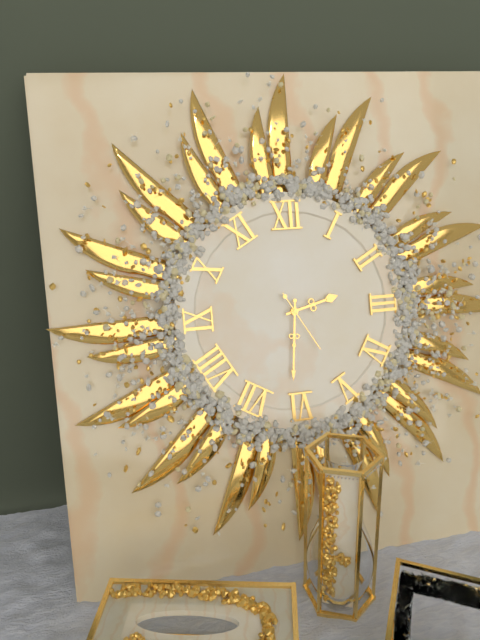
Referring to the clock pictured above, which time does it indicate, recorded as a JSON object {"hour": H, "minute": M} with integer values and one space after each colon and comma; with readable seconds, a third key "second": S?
{"hour": 2, "minute": 31, "second": 25}
